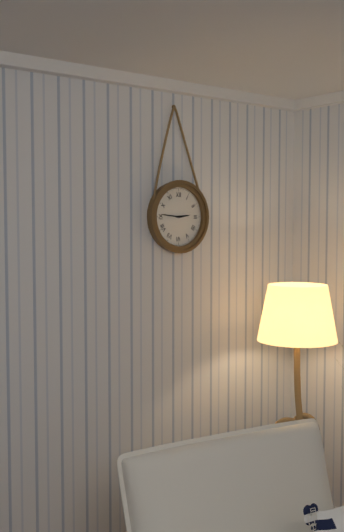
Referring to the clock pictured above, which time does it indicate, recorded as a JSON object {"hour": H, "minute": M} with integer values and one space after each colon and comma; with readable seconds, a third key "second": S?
{"hour": 2, "minute": 46}
